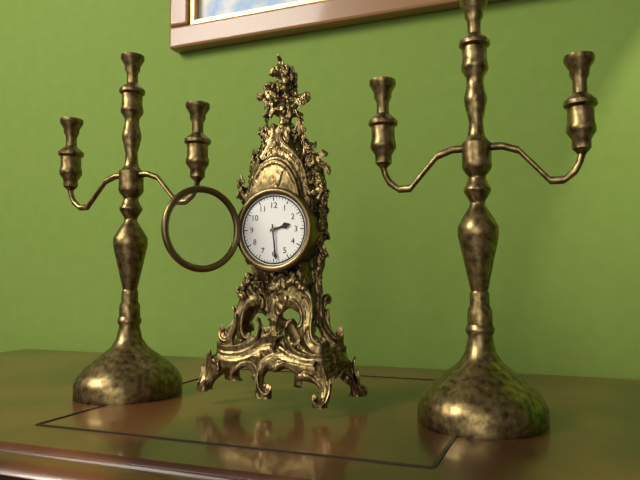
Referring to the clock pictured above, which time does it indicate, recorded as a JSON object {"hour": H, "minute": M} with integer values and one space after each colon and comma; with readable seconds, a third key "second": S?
{"hour": 2, "minute": 29}
